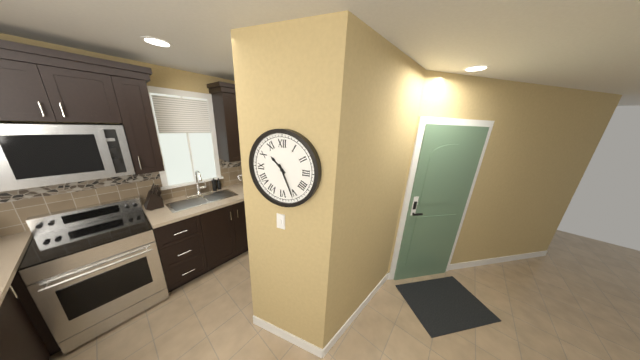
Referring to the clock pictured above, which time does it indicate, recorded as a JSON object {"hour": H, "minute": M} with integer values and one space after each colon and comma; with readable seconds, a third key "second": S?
{"hour": 10, "minute": 26}
